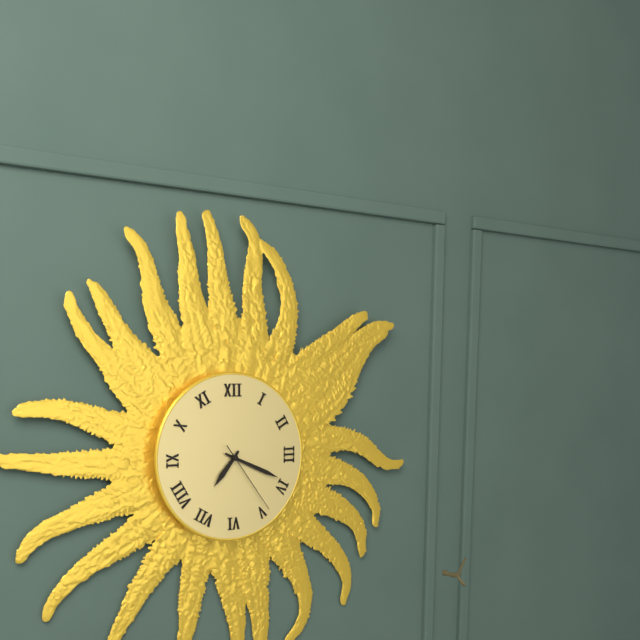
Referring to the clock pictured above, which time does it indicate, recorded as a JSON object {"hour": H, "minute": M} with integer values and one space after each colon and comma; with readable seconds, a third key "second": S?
{"hour": 7, "minute": 19, "second": 24}
